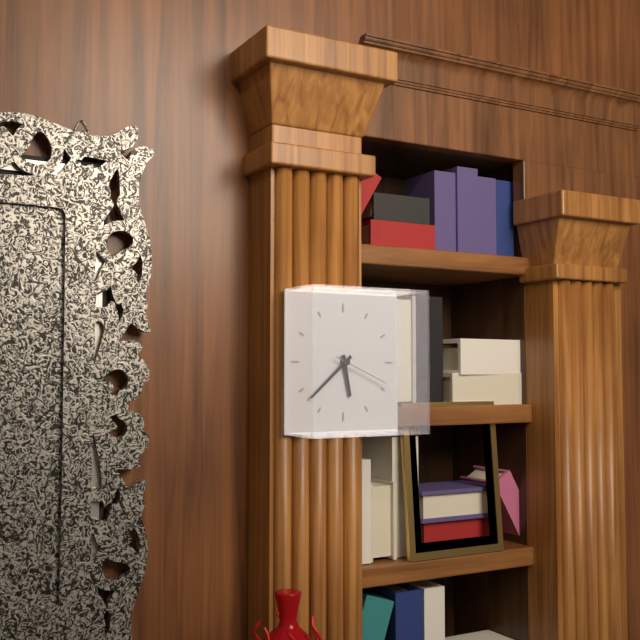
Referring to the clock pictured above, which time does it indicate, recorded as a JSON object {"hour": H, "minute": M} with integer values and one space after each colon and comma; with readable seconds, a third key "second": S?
{"hour": 5, "minute": 38, "second": 19}
